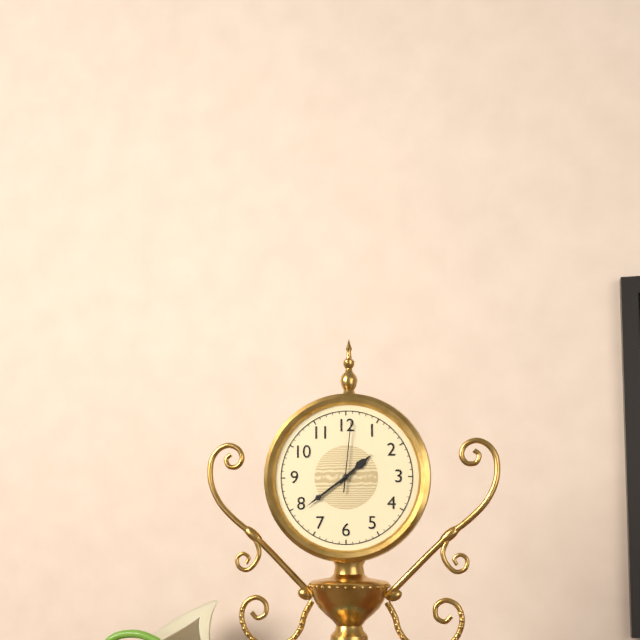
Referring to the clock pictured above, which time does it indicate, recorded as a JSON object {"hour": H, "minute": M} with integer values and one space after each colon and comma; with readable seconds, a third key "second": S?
{"hour": 1, "minute": 39, "second": 1}
